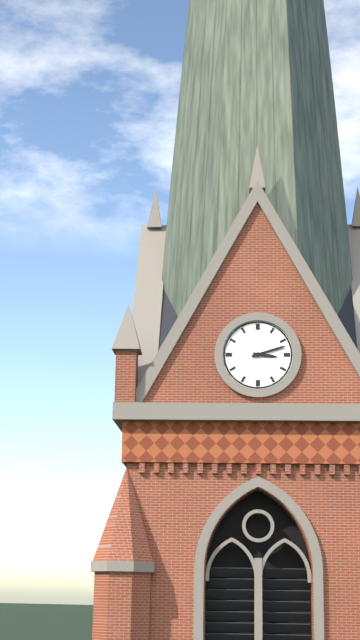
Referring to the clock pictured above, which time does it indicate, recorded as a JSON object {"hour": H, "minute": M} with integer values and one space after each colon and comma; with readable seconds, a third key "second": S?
{"hour": 3, "minute": 12}
